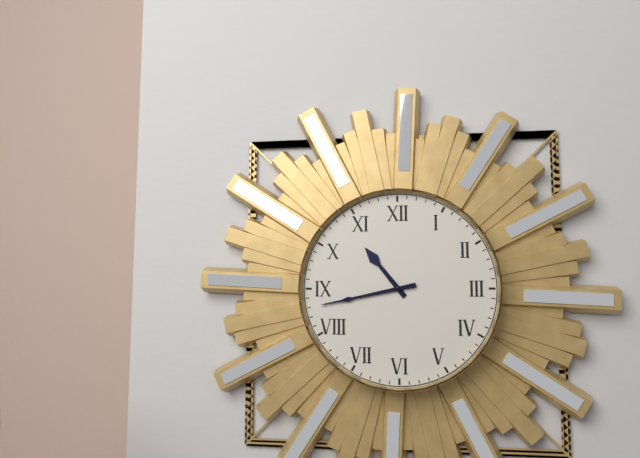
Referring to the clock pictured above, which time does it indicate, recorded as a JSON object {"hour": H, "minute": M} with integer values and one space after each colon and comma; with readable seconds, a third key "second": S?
{"hour": 10, "minute": 43}
